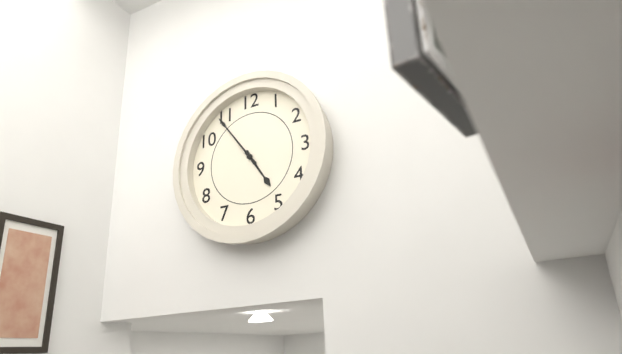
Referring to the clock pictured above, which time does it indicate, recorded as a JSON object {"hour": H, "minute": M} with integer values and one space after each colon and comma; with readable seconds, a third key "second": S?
{"hour": 4, "minute": 54}
